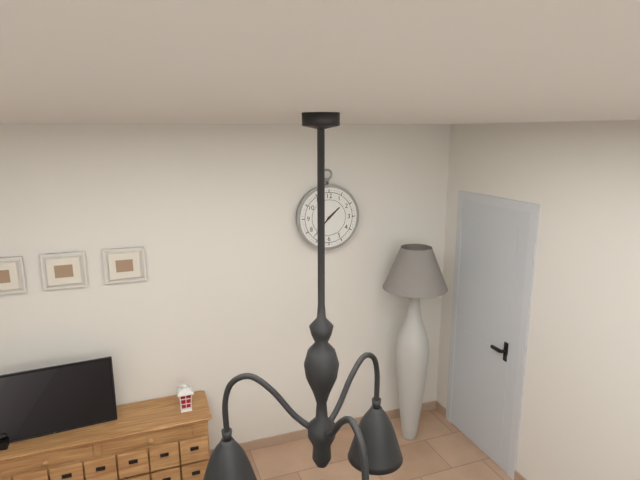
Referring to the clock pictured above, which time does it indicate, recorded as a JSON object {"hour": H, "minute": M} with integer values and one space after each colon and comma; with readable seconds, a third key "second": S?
{"hour": 1, "minute": 37}
